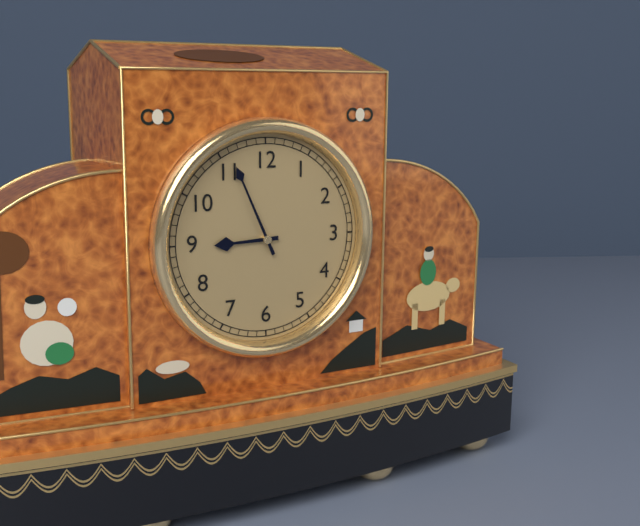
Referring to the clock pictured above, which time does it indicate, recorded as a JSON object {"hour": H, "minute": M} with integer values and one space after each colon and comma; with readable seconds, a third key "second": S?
{"hour": 8, "minute": 56}
